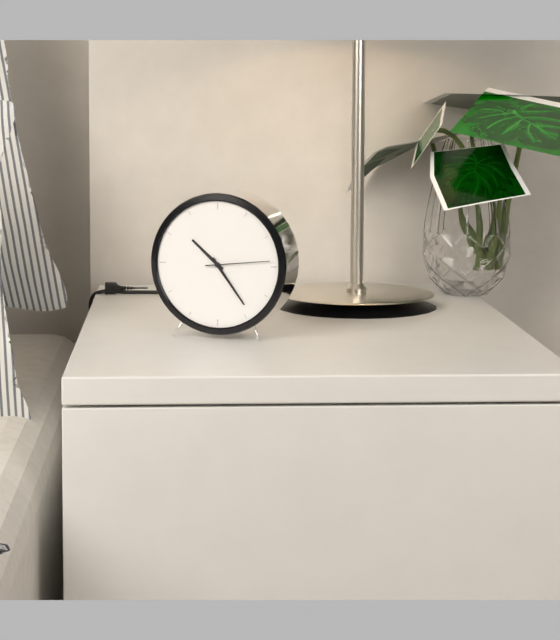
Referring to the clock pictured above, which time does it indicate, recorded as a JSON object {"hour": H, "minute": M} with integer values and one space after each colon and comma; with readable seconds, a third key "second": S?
{"hour": 10, "minute": 24, "second": 14}
